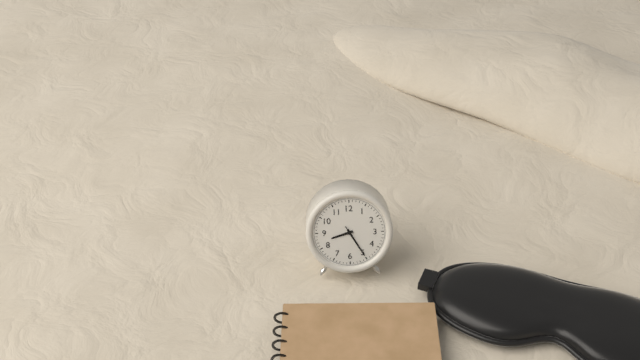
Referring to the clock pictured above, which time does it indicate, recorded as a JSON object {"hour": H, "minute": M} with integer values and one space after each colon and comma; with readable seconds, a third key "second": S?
{"hour": 8, "minute": 25}
